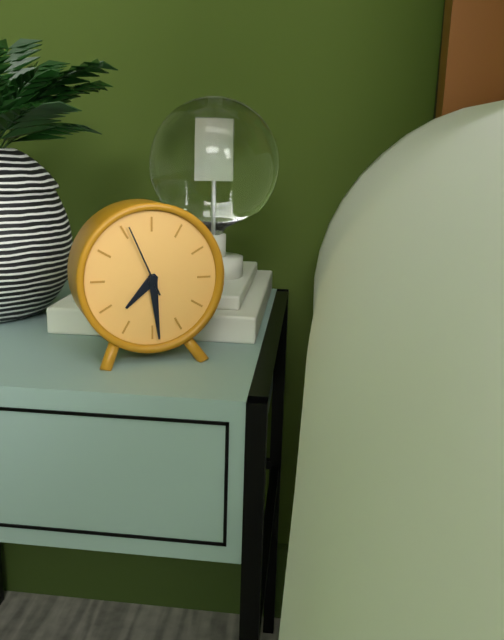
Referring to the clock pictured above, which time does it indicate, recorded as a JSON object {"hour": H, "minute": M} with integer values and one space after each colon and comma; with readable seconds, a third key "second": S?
{"hour": 7, "minute": 29, "second": 56}
